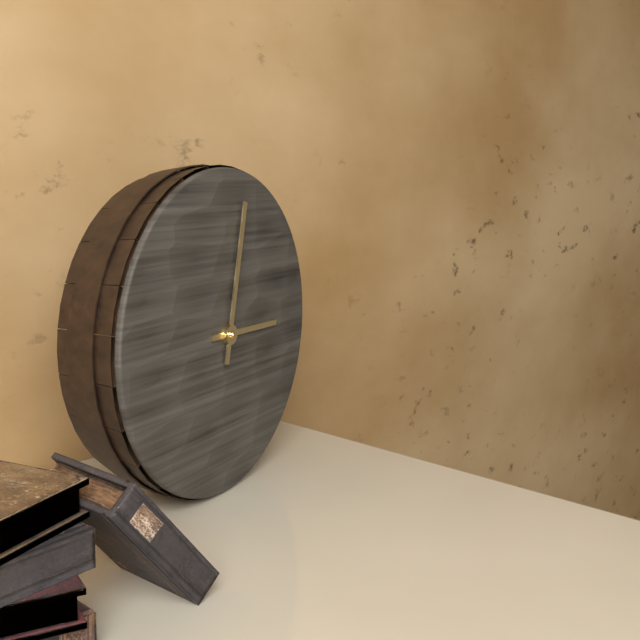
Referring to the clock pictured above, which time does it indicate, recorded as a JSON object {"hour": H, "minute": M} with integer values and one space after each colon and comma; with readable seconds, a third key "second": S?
{"hour": 3, "minute": 2}
